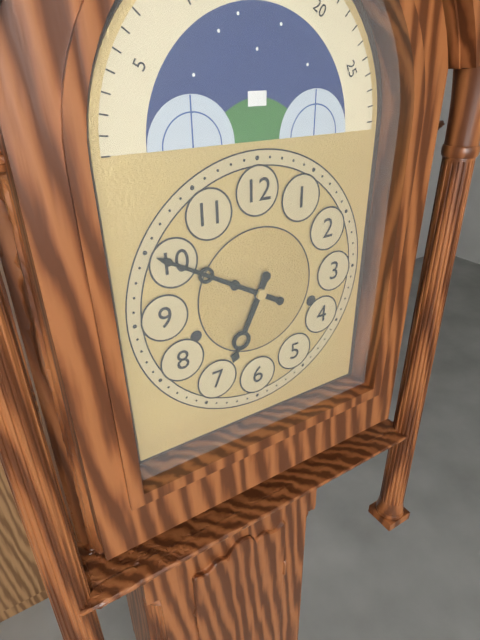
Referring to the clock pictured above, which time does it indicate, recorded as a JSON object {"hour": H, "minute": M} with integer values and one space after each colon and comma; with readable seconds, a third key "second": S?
{"hour": 6, "minute": 50}
